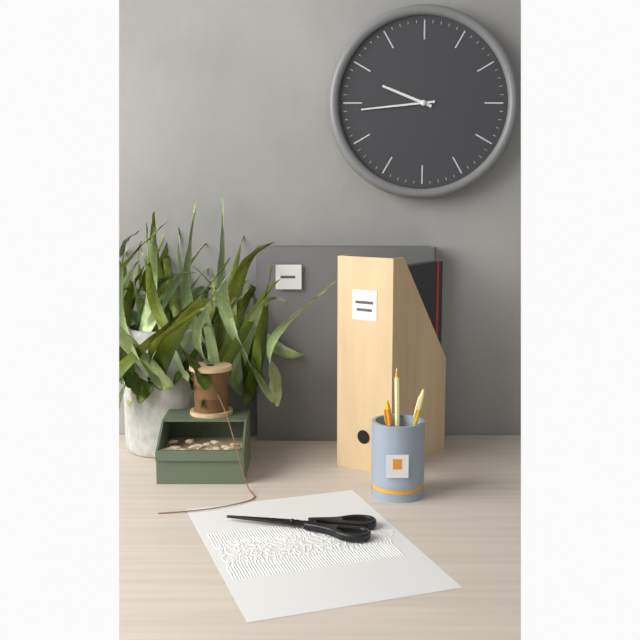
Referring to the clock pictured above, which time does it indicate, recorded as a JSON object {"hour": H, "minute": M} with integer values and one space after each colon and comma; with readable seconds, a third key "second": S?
{"hour": 9, "minute": 44}
